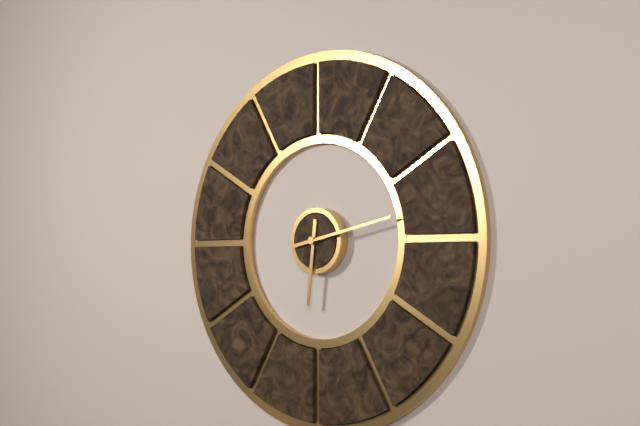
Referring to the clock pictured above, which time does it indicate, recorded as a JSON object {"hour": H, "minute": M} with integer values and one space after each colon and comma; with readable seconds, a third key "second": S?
{"hour": 6, "minute": 13}
